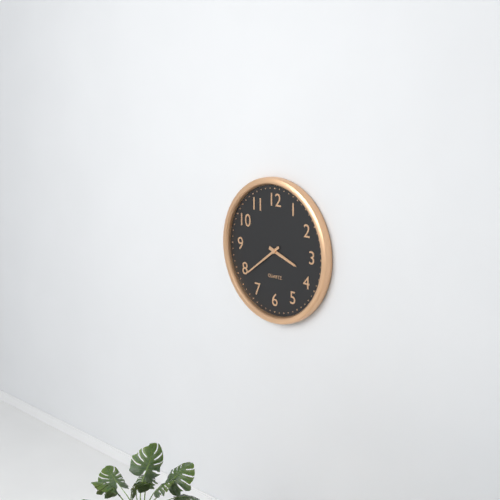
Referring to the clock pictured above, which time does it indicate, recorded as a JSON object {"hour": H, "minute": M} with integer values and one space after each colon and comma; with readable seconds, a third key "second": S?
{"hour": 3, "minute": 39}
